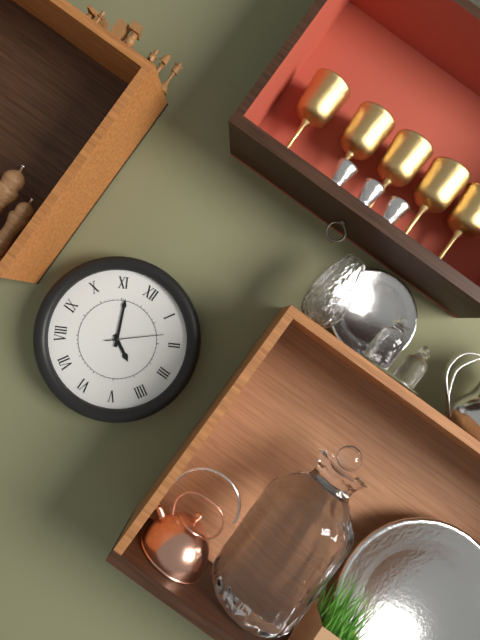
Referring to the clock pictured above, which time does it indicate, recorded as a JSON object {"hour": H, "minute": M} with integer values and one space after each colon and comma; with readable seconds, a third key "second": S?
{"hour": 3, "minute": 56, "second": 8}
